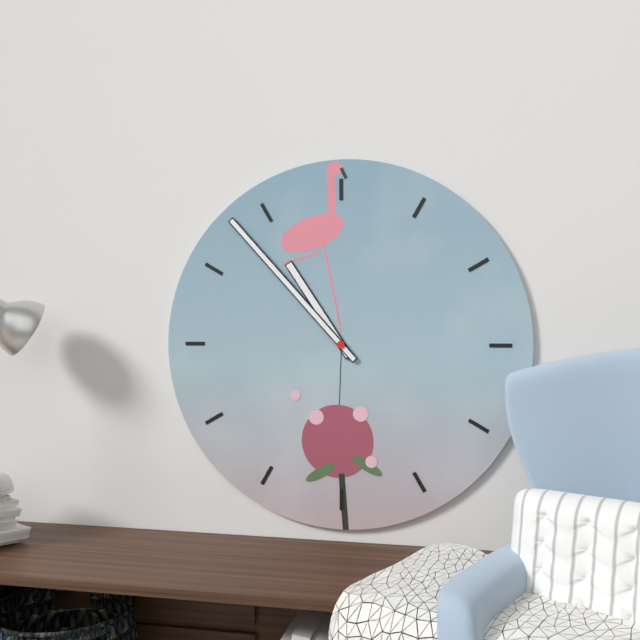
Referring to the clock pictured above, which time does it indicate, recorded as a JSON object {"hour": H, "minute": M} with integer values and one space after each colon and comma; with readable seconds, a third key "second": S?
{"hour": 10, "minute": 53}
